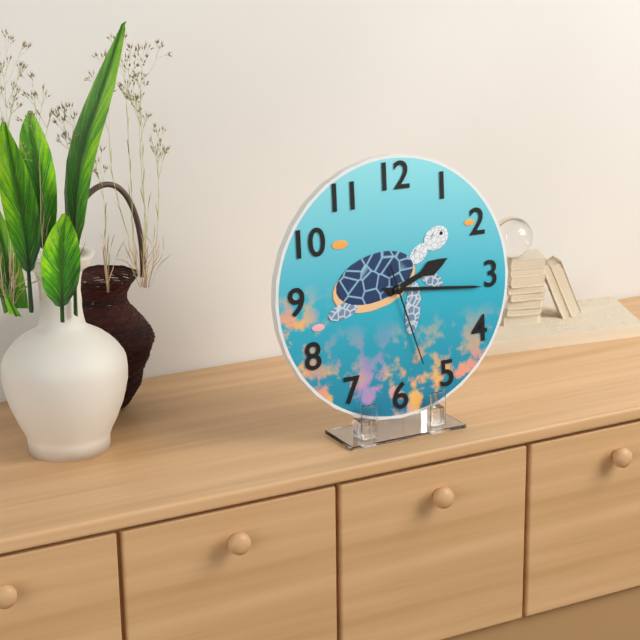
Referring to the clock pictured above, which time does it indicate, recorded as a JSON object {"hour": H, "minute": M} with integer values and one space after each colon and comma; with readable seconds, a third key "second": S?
{"hour": 2, "minute": 16, "second": 27}
